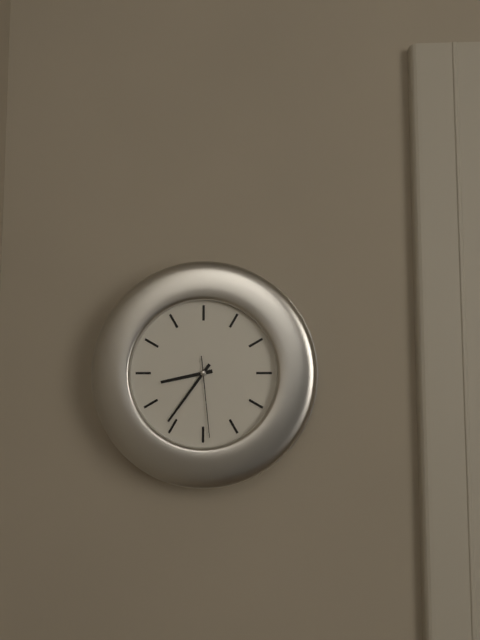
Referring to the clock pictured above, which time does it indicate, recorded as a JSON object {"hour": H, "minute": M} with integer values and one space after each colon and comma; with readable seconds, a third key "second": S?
{"hour": 8, "minute": 36, "second": 29}
